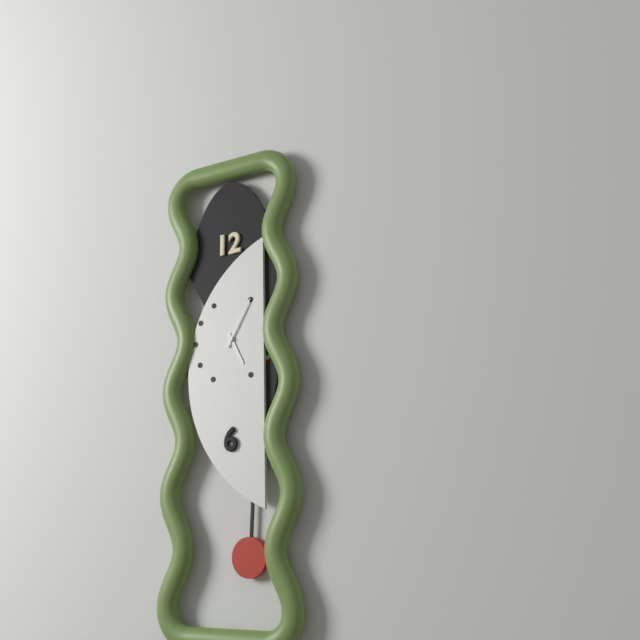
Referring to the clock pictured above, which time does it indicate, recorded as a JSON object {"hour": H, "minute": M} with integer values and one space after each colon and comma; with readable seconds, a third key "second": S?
{"hour": 5, "minute": 5}
